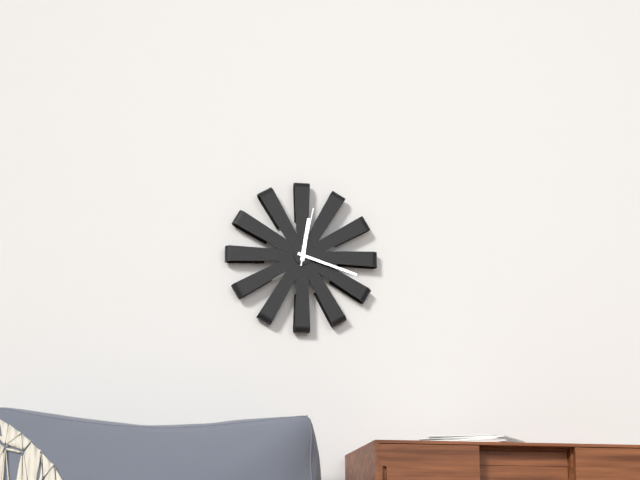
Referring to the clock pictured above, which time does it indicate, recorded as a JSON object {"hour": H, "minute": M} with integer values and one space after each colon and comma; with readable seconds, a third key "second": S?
{"hour": 12, "minute": 18, "second": 2}
